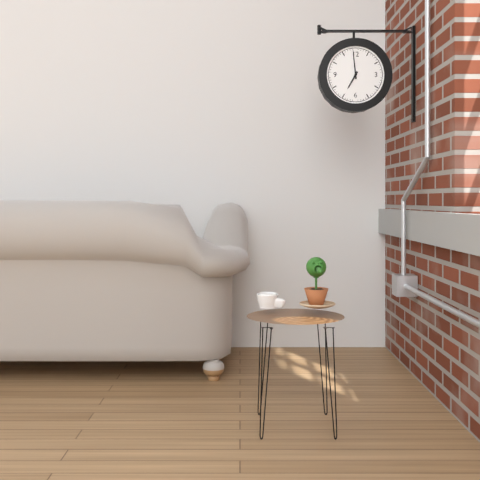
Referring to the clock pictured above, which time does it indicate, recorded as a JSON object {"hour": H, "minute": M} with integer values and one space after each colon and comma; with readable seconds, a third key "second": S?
{"hour": 6, "minute": 59}
